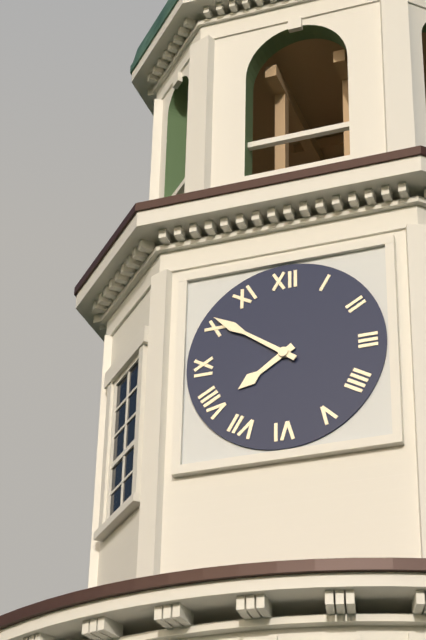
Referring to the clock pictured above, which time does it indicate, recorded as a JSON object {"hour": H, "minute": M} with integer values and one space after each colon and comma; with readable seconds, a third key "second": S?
{"hour": 7, "minute": 51}
